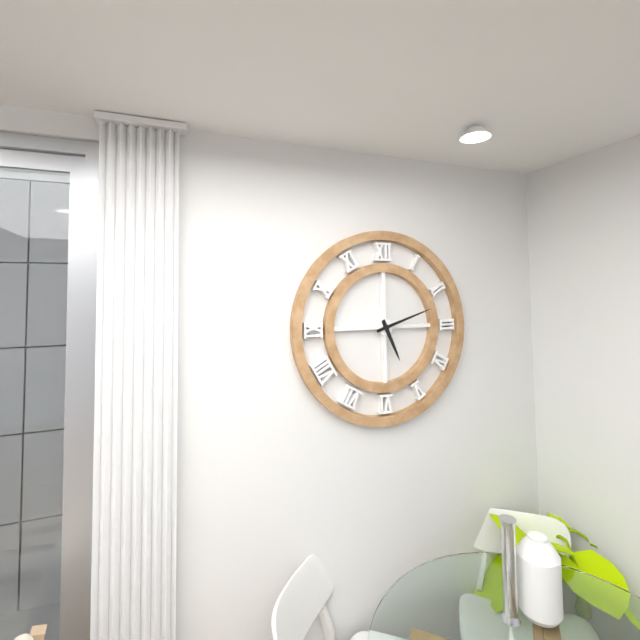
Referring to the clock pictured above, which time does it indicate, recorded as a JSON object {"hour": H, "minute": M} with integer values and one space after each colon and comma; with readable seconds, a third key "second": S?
{"hour": 5, "minute": 12}
